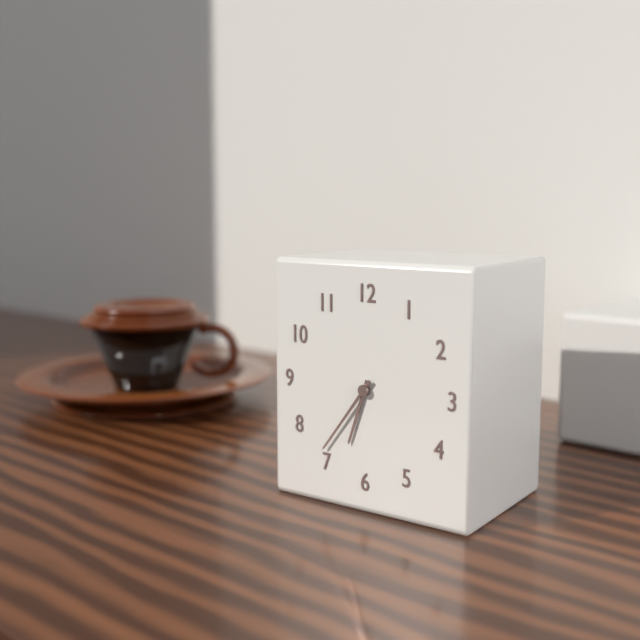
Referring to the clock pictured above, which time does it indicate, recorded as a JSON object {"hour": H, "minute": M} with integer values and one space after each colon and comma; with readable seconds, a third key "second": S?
{"hour": 6, "minute": 36}
